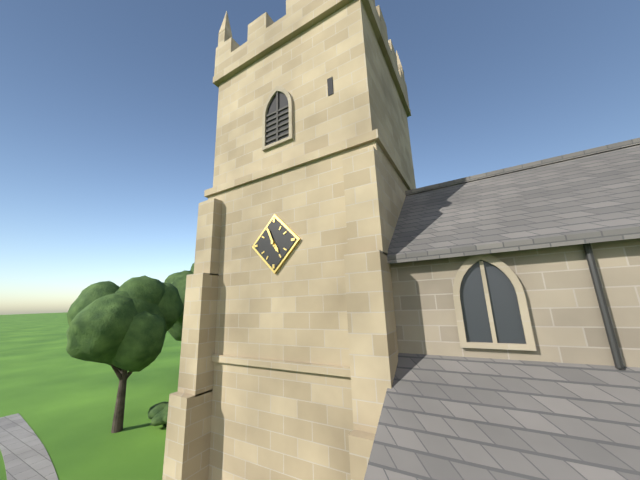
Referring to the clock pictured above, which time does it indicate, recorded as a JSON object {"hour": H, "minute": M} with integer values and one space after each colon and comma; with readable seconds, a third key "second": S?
{"hour": 4, "minute": 56}
